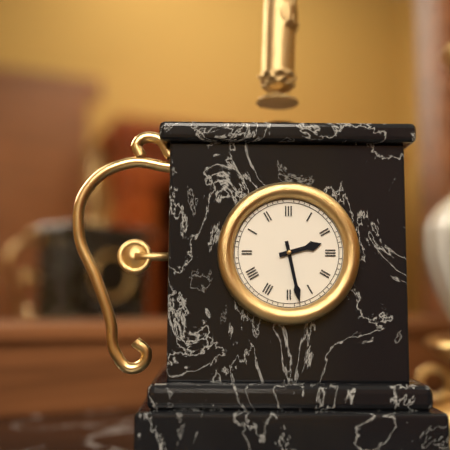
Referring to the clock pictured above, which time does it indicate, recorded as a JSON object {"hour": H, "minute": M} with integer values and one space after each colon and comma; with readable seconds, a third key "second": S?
{"hour": 2, "minute": 28}
